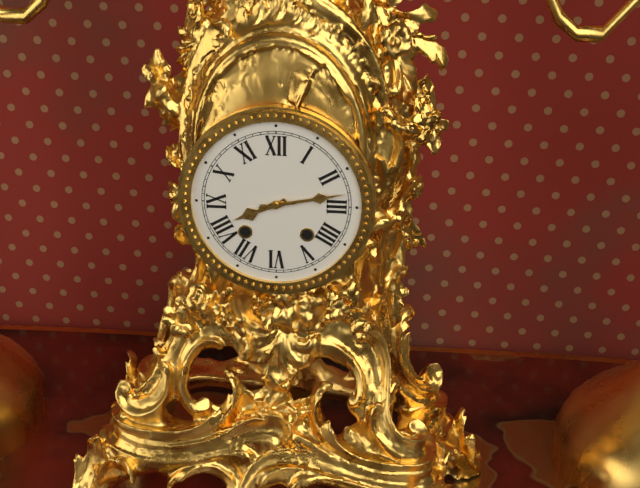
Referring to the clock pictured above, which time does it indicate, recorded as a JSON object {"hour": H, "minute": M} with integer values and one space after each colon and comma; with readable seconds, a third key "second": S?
{"hour": 8, "minute": 13}
